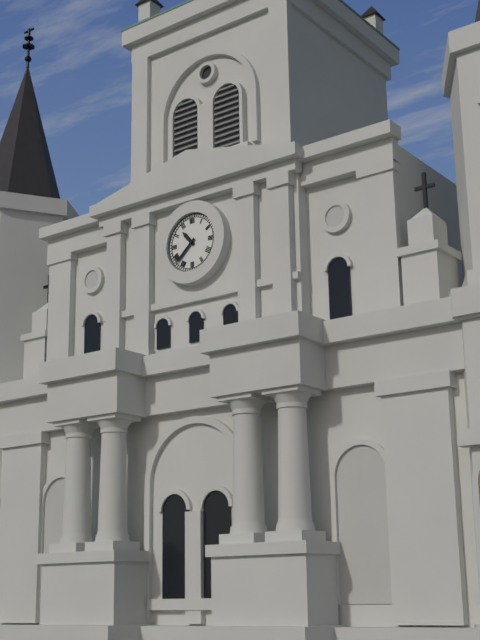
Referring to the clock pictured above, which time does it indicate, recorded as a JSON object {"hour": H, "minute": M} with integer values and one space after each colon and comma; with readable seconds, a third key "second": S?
{"hour": 10, "minute": 38}
